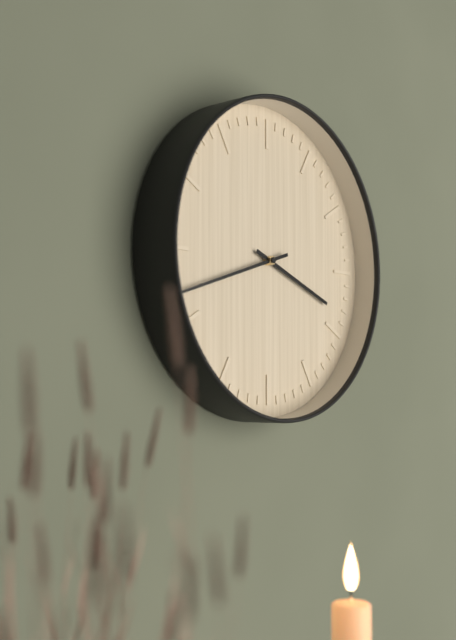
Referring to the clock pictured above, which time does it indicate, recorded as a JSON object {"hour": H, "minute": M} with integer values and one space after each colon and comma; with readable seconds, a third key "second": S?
{"hour": 3, "minute": 42}
